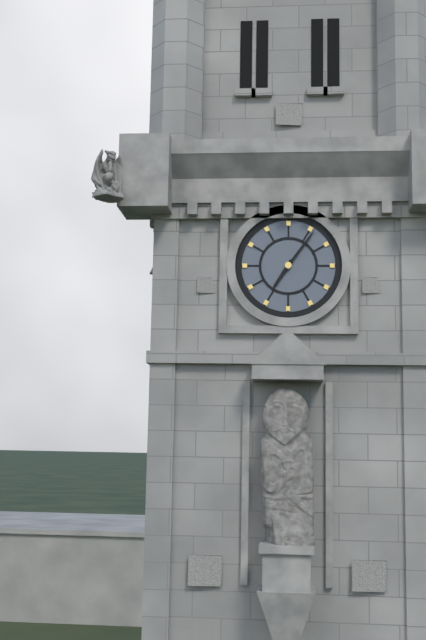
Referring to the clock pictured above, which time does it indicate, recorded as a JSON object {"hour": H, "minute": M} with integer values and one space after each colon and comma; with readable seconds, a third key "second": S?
{"hour": 7, "minute": 6}
